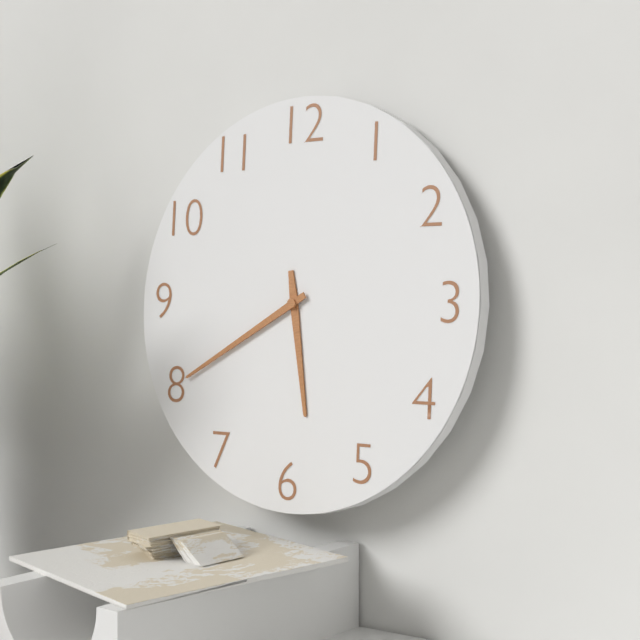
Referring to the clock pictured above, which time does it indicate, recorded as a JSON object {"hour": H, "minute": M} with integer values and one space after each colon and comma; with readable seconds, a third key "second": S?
{"hour": 5, "minute": 40}
